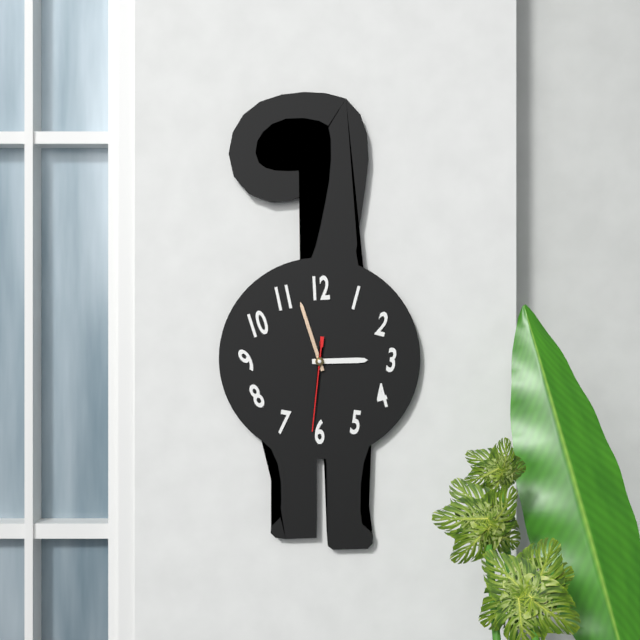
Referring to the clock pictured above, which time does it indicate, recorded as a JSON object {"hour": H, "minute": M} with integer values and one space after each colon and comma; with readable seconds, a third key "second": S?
{"hour": 2, "minute": 57, "second": 31}
